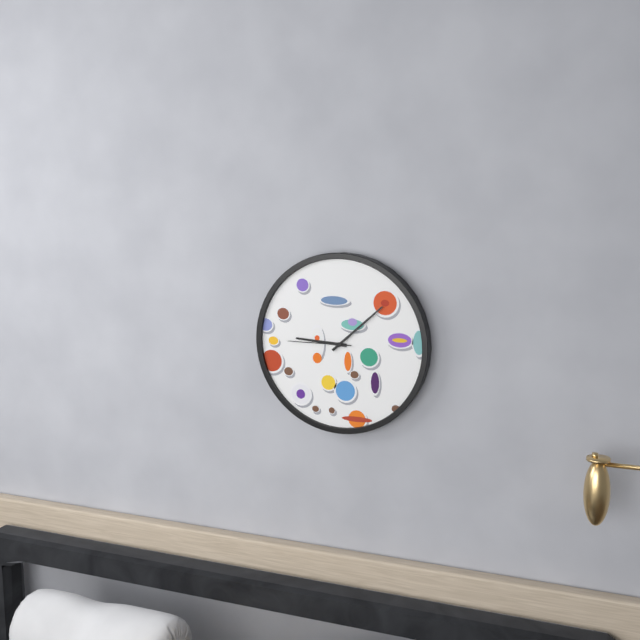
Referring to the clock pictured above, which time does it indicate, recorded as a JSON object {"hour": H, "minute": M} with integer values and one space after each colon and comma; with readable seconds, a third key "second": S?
{"hour": 9, "minute": 8, "second": 45}
